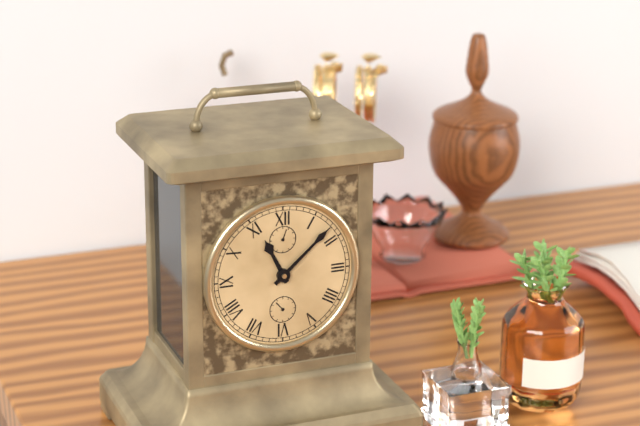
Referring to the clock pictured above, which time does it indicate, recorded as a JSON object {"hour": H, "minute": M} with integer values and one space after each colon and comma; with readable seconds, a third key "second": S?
{"hour": 11, "minute": 8}
